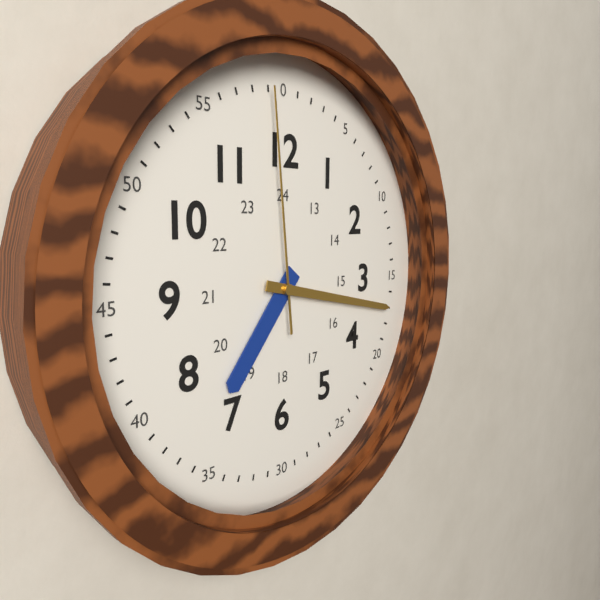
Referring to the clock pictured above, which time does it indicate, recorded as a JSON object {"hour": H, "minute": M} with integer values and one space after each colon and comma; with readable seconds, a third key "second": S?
{"hour": 7, "minute": 17, "second": 59}
